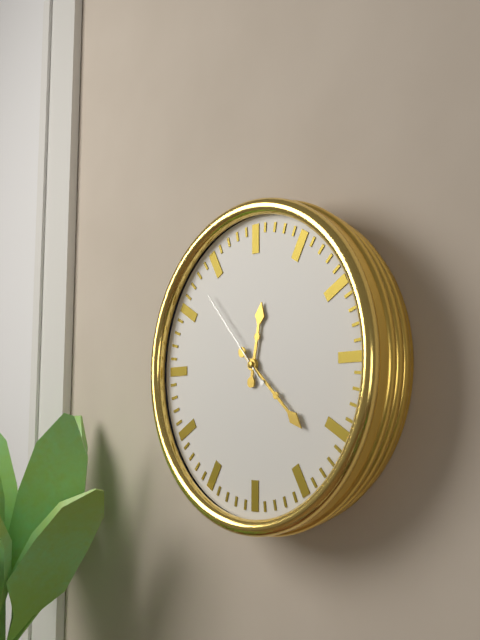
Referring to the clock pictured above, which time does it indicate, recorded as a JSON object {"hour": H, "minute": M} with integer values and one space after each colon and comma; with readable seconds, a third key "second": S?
{"hour": 12, "minute": 22, "second": 53}
